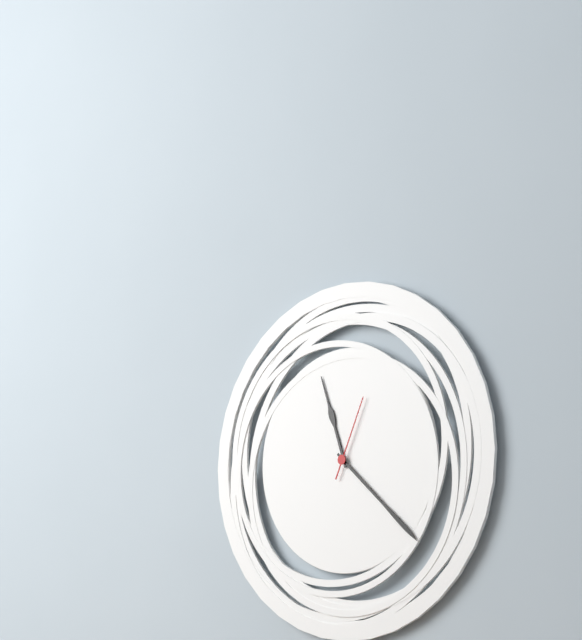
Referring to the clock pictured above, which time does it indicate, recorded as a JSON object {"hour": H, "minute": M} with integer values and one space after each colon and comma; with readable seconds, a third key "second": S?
{"hour": 11, "minute": 22, "second": 4}
